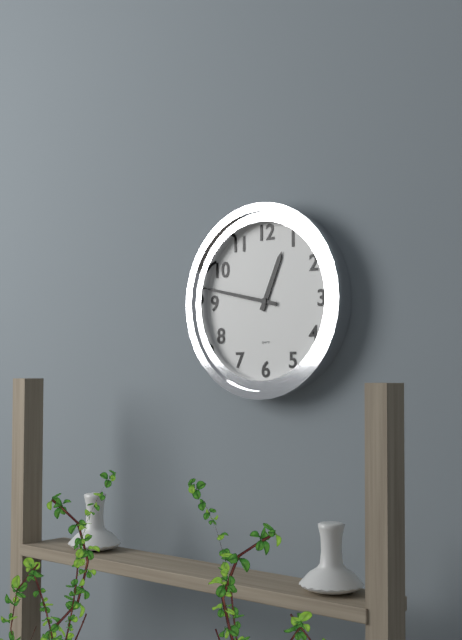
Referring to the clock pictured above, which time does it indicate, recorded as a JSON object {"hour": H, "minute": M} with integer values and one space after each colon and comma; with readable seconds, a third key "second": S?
{"hour": 12, "minute": 47}
